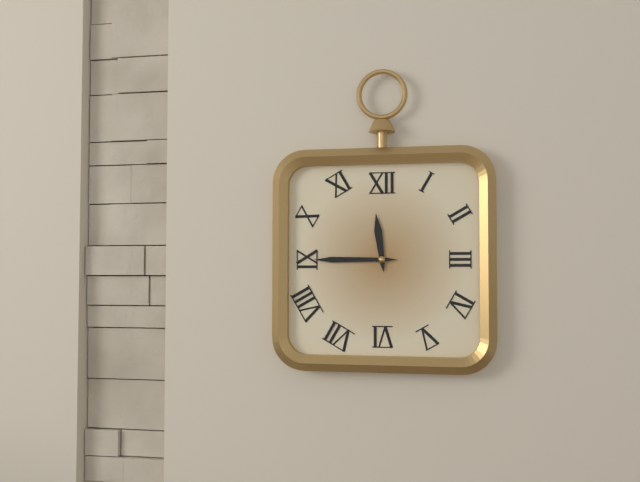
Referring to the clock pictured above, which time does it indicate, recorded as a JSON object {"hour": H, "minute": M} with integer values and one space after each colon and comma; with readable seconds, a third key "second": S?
{"hour": 11, "minute": 45}
